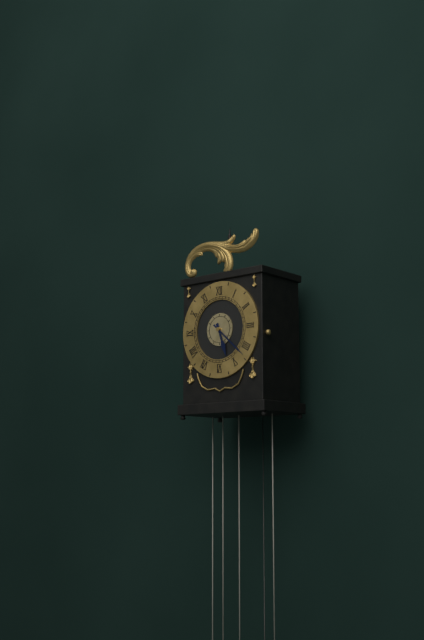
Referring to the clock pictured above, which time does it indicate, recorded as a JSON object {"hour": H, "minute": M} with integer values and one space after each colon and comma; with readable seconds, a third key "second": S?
{"hour": 5, "minute": 22}
